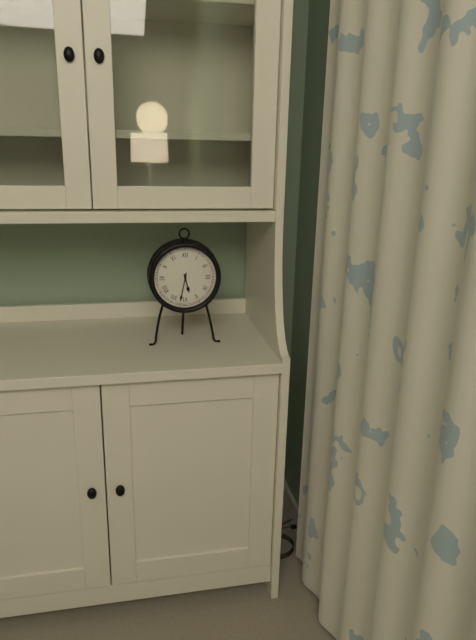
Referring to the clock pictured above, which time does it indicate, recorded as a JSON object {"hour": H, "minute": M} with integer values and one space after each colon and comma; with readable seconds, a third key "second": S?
{"hour": 5, "minute": 32}
